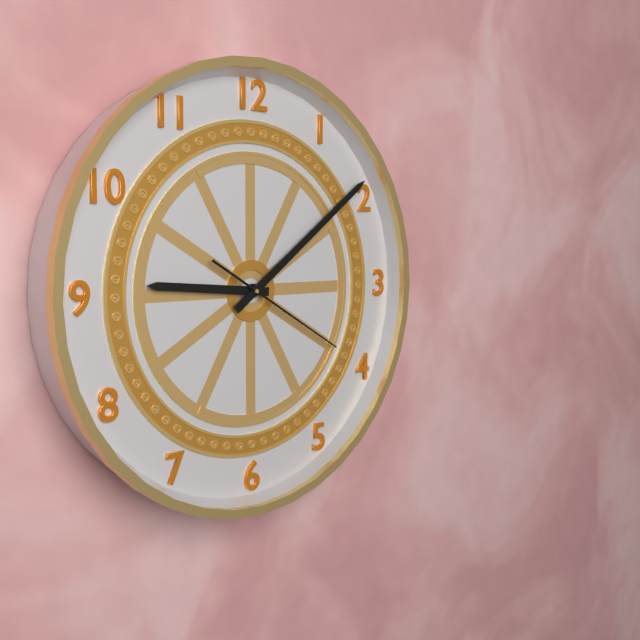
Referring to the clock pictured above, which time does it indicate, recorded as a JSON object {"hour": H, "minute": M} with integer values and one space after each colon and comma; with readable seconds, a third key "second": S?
{"hour": 9, "minute": 9, "second": 20}
